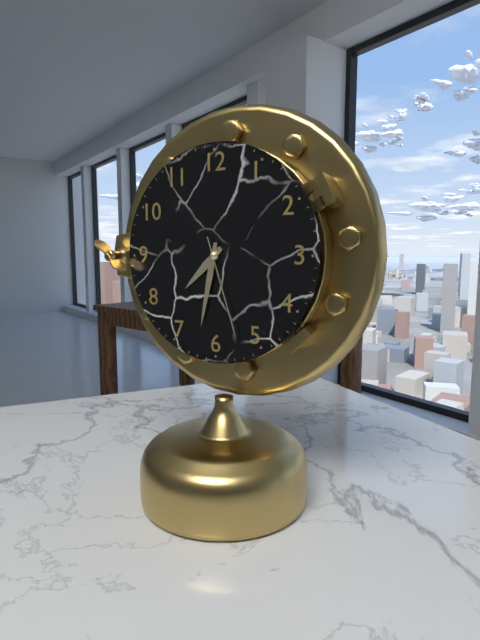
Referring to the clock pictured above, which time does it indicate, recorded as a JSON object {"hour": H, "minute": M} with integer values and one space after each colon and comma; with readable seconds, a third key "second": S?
{"hour": 7, "minute": 32, "second": 27}
